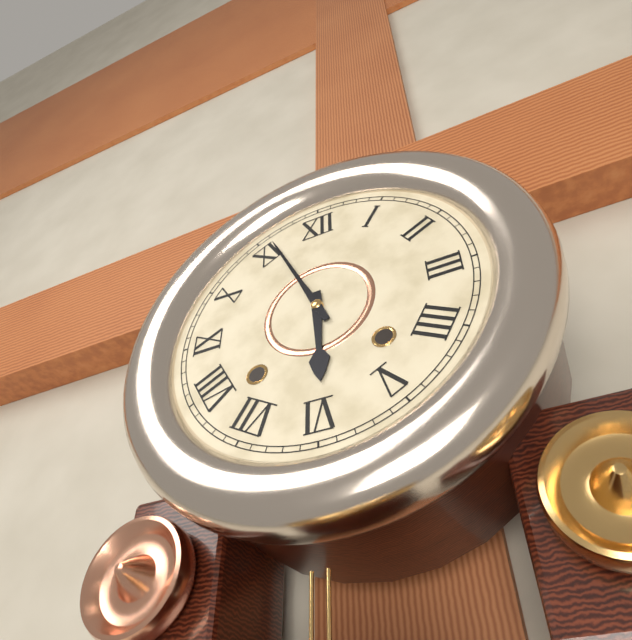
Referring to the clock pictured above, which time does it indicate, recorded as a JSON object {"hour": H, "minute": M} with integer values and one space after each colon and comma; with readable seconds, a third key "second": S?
{"hour": 5, "minute": 56}
